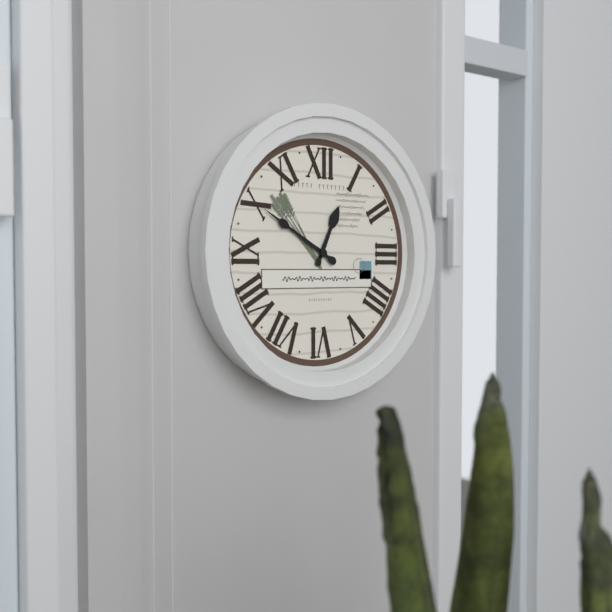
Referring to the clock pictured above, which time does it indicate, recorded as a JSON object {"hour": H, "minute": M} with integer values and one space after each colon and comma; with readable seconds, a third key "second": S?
{"hour": 12, "minute": 50}
